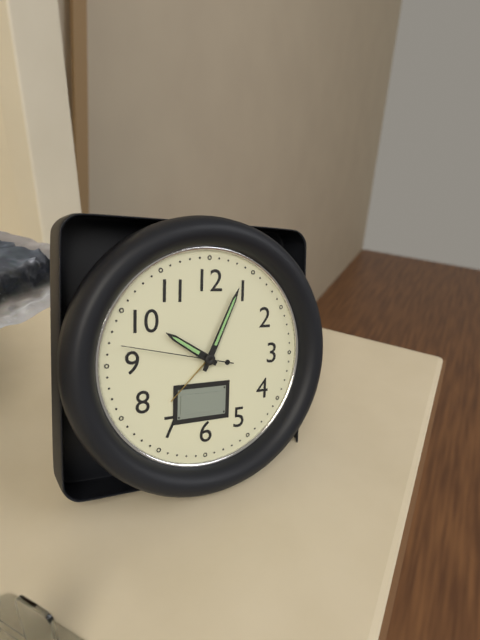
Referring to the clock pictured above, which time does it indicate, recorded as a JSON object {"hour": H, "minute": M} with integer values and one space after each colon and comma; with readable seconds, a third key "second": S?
{"hour": 10, "minute": 4, "second": 47}
